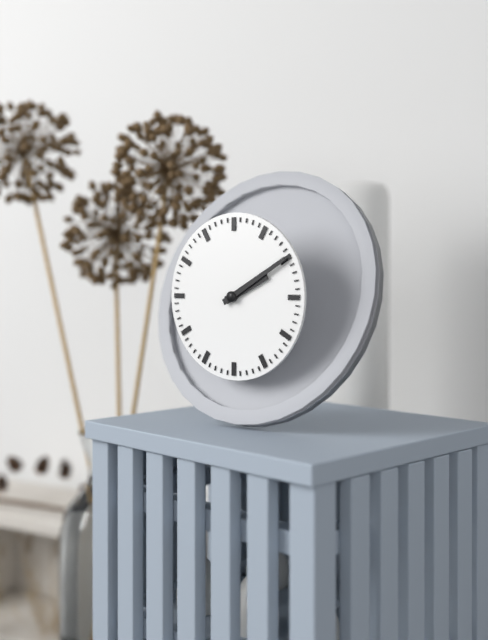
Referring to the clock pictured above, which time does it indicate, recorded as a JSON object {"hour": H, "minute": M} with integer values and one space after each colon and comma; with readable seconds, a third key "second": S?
{"hour": 2, "minute": 10}
